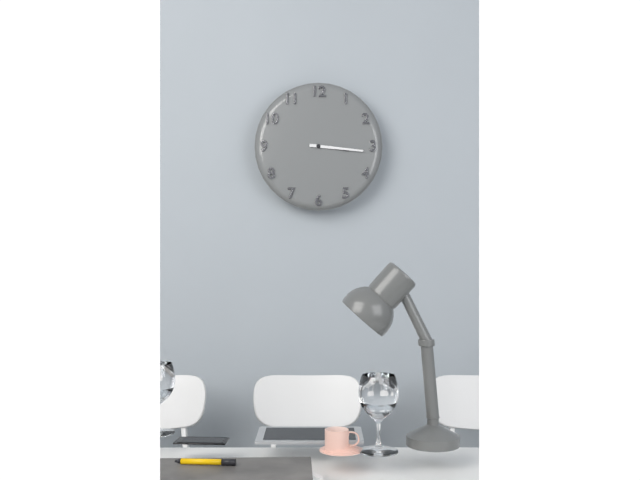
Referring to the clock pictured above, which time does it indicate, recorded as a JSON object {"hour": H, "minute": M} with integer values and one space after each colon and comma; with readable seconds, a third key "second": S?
{"hour": 3, "minute": 16}
